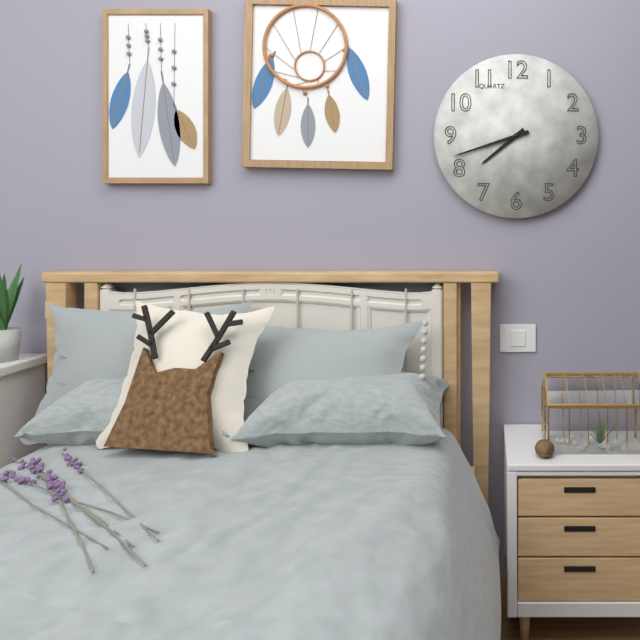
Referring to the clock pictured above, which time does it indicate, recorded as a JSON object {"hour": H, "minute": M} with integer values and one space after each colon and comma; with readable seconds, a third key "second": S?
{"hour": 7, "minute": 42}
